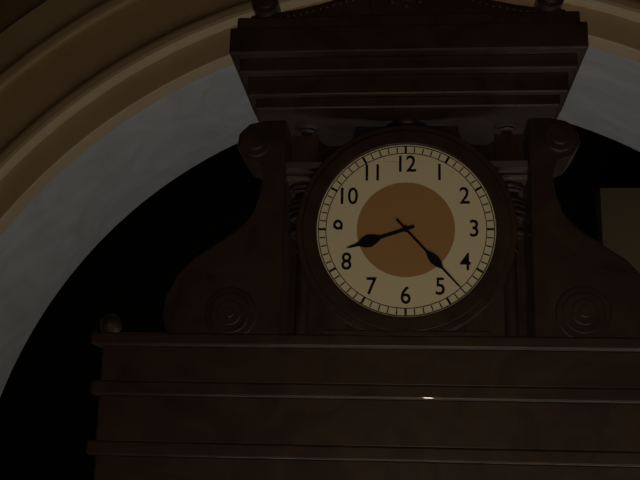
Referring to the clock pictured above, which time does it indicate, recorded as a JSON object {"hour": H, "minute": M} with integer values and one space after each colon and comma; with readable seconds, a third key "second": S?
{"hour": 8, "minute": 23}
